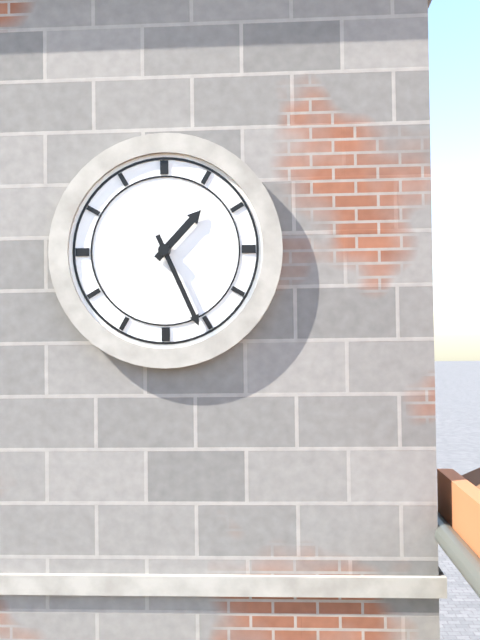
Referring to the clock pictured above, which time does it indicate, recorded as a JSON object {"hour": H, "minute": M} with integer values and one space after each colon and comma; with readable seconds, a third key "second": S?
{"hour": 1, "minute": 26}
